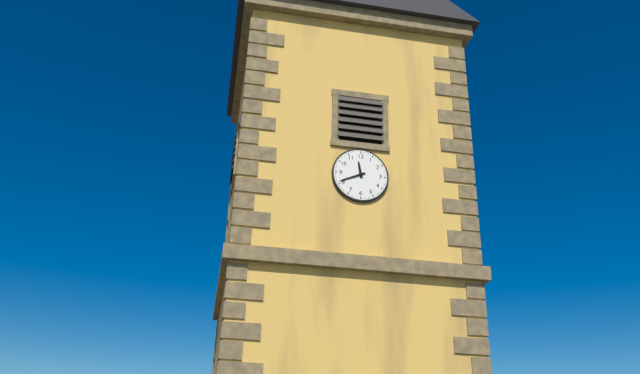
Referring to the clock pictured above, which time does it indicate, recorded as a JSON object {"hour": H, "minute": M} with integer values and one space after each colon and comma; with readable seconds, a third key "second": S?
{"hour": 11, "minute": 41}
